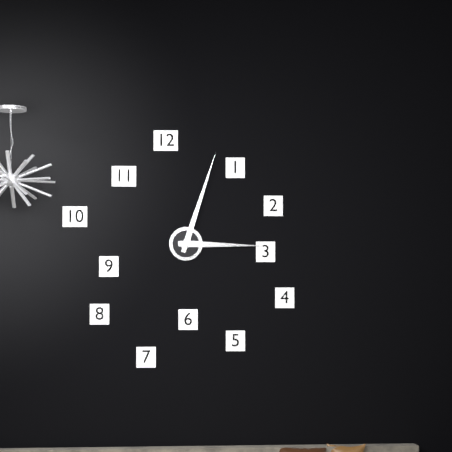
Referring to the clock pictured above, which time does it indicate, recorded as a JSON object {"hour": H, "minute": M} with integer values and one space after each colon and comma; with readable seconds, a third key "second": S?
{"hour": 3, "minute": 3}
